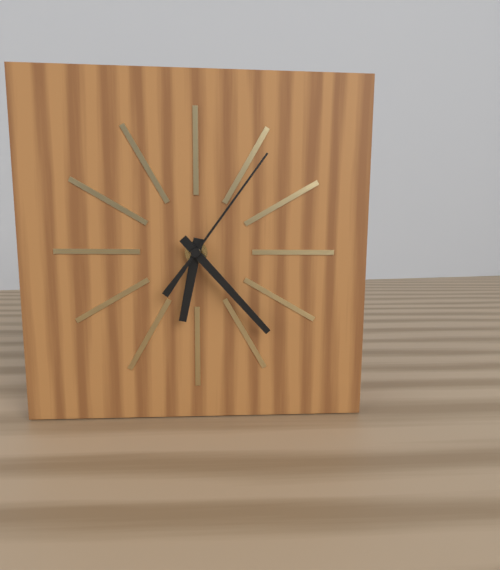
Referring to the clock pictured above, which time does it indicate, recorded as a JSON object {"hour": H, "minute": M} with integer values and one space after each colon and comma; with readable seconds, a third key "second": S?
{"hour": 6, "minute": 23, "second": 6}
